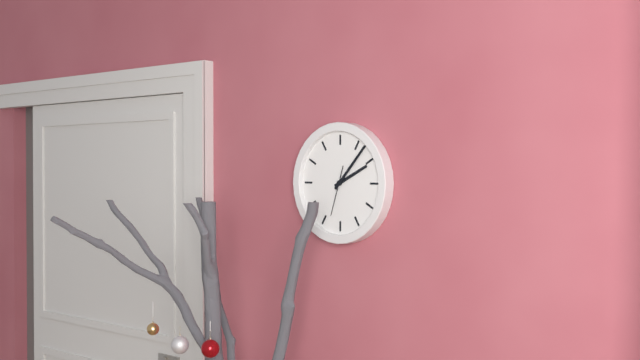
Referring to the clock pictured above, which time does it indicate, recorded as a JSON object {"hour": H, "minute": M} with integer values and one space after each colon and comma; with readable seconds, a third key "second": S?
{"hour": 2, "minute": 7}
